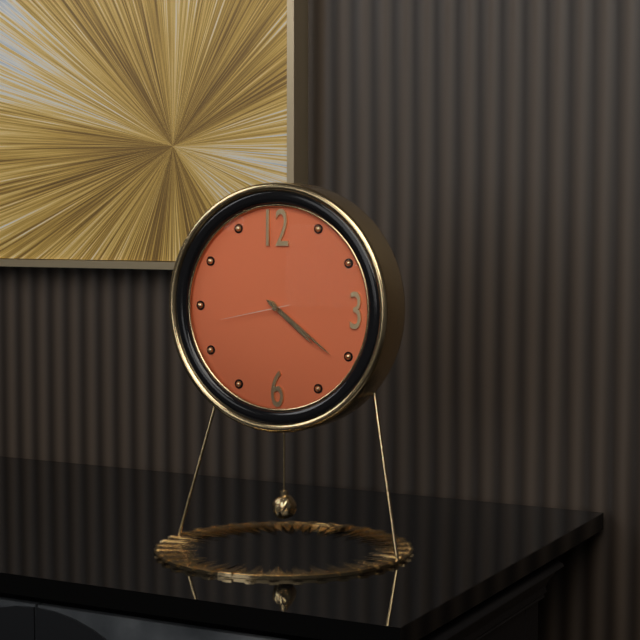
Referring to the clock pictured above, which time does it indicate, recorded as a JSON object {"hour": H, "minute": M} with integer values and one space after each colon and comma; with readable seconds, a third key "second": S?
{"hour": 4, "minute": 21, "second": 43}
